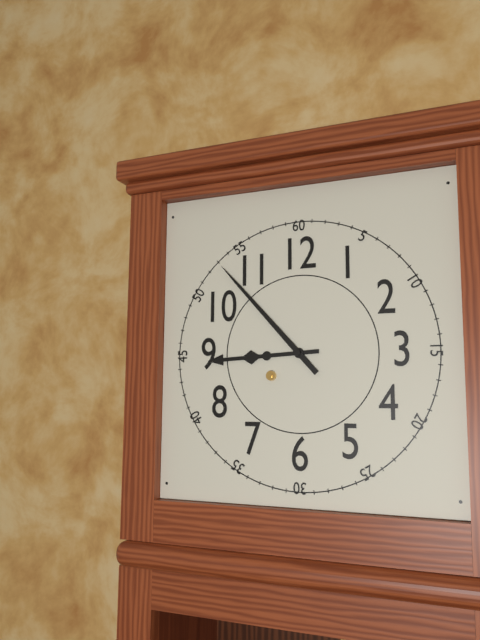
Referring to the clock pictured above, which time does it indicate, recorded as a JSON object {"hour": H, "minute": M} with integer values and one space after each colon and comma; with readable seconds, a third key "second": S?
{"hour": 8, "minute": 53}
